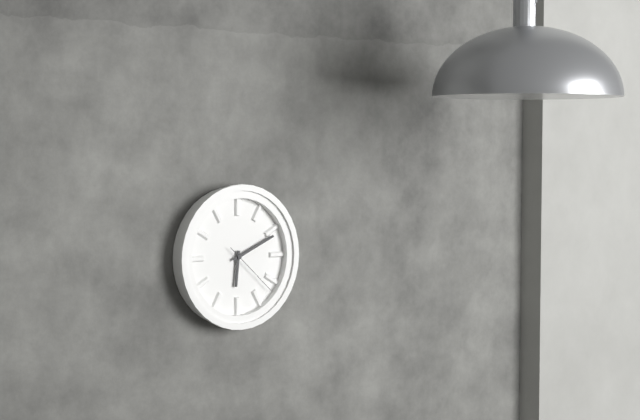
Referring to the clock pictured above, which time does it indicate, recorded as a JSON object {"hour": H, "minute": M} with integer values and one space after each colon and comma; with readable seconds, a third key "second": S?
{"hour": 6, "minute": 11, "second": 22}
